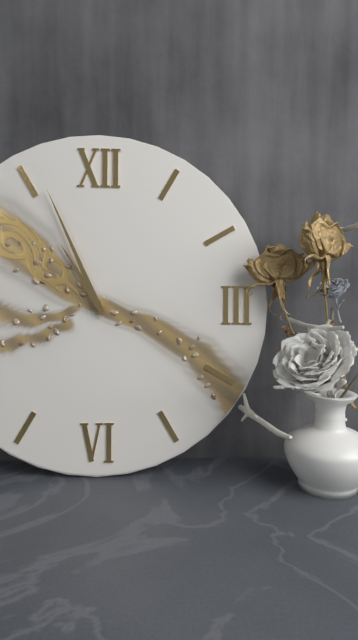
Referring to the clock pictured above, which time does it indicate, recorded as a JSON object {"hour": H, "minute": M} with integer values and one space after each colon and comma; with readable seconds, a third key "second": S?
{"hour": 10, "minute": 56}
